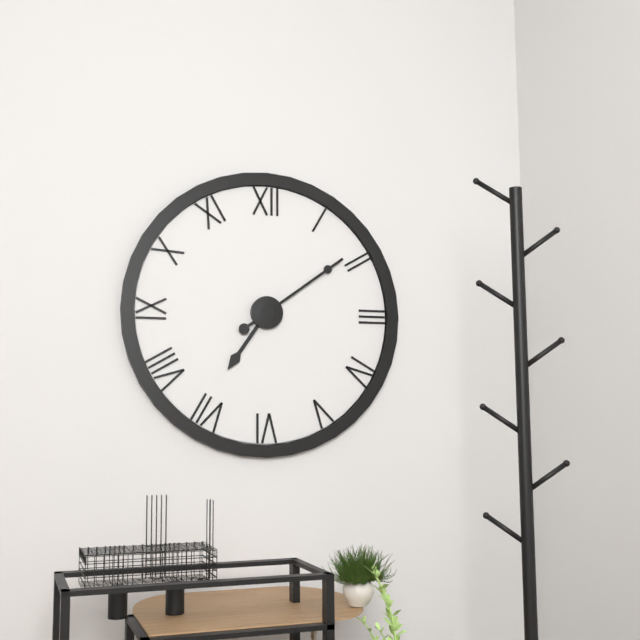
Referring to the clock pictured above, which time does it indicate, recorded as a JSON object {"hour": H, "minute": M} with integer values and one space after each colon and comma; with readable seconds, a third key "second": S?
{"hour": 7, "minute": 9}
